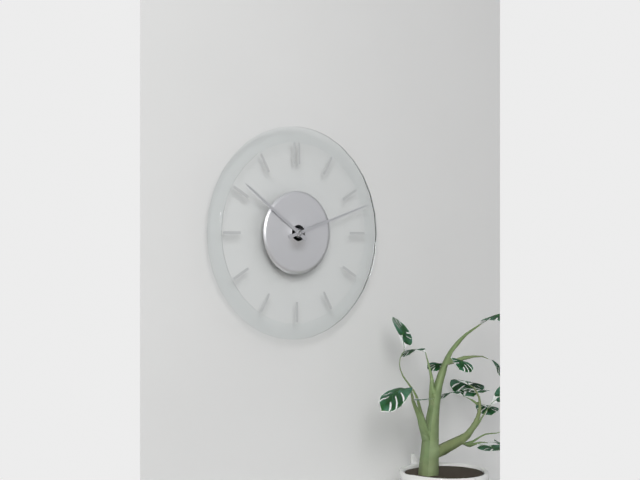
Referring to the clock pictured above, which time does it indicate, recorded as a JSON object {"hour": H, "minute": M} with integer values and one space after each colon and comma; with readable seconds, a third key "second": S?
{"hour": 10, "minute": 12}
